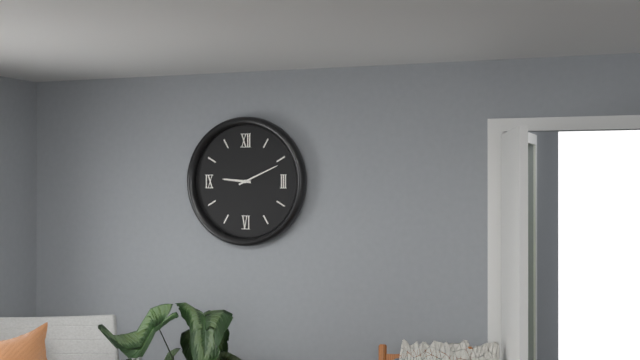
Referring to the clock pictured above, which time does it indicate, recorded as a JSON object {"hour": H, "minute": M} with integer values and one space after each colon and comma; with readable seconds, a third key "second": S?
{"hour": 9, "minute": 11}
